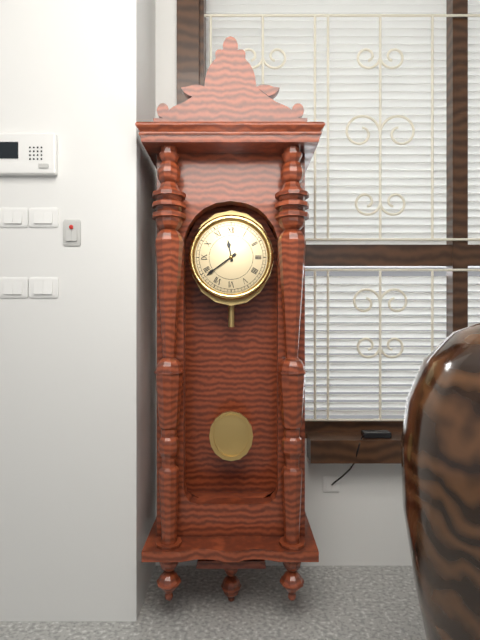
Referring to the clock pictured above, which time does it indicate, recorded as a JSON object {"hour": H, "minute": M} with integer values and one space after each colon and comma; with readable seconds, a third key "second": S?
{"hour": 11, "minute": 39}
